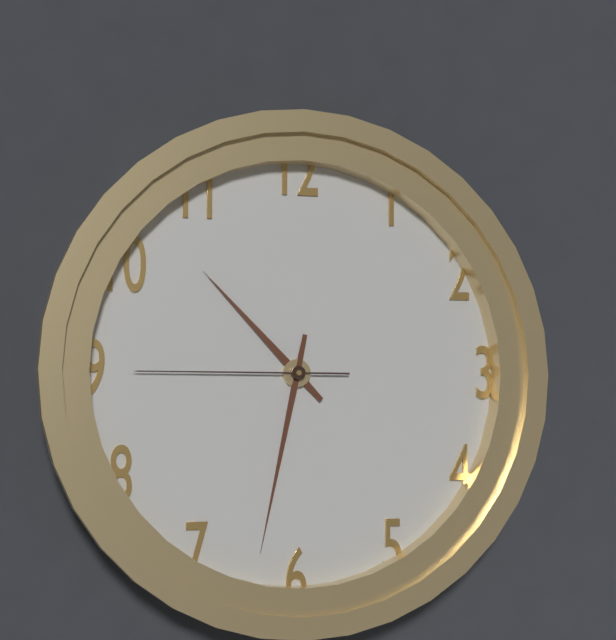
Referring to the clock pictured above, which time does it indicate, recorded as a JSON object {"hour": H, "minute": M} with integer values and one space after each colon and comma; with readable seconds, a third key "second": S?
{"hour": 10, "minute": 32, "second": 45}
